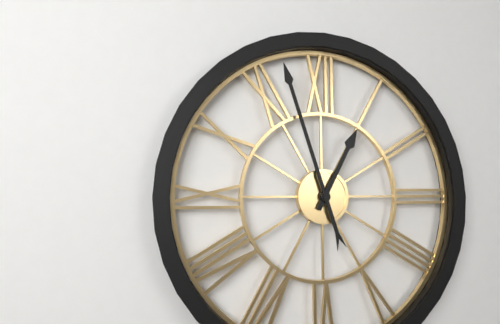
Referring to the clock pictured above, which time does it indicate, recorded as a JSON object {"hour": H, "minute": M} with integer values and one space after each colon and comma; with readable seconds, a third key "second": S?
{"hour": 12, "minute": 57}
